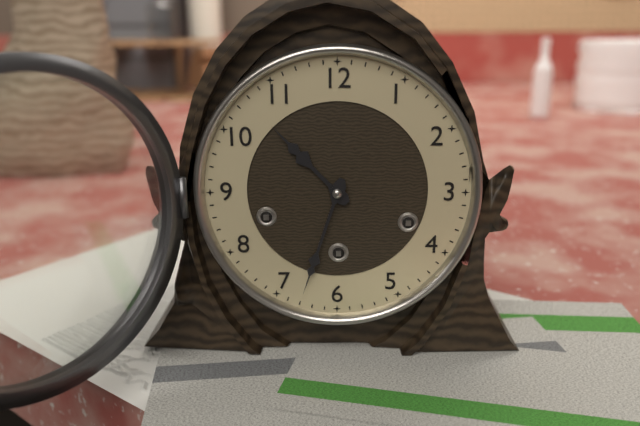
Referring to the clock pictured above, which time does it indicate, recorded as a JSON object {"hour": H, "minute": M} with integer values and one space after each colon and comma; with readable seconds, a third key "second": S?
{"hour": 10, "minute": 33}
